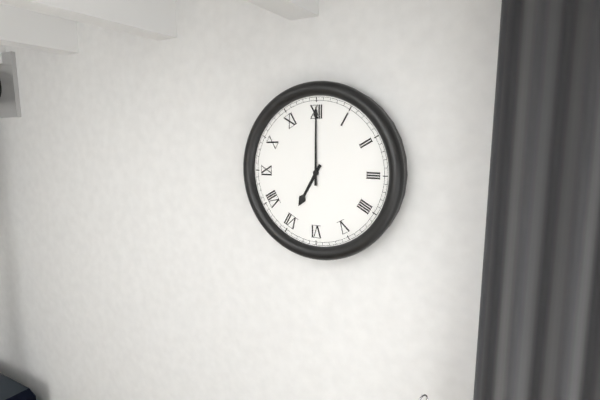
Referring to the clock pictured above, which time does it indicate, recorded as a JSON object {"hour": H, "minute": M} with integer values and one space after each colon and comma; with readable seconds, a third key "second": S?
{"hour": 7, "minute": 0}
